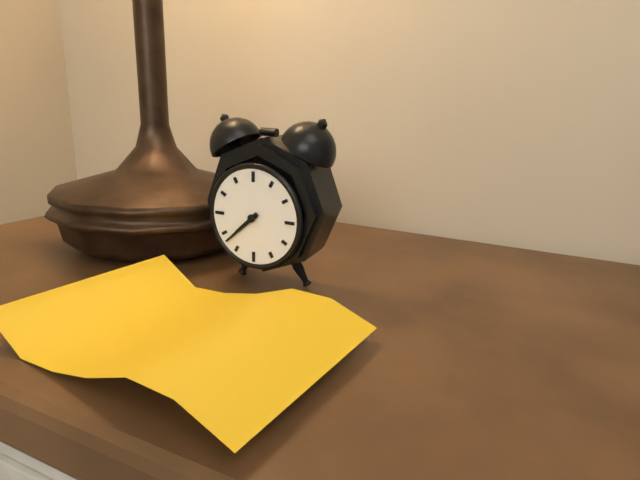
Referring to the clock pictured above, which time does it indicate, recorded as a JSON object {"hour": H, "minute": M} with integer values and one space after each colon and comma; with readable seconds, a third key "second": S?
{"hour": 7, "minute": 38}
